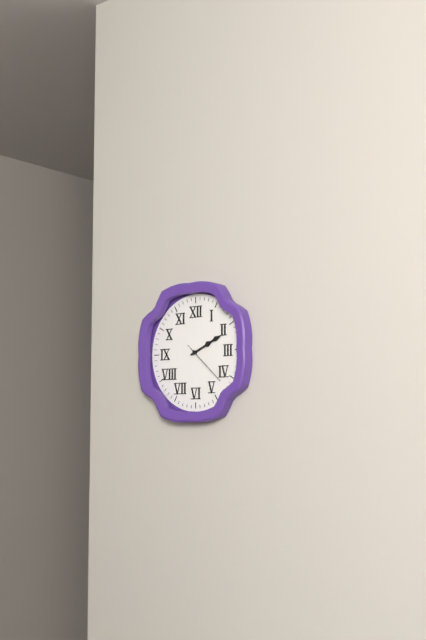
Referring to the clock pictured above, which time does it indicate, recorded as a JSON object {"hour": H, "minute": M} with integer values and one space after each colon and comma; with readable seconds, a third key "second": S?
{"hour": 2, "minute": 11}
